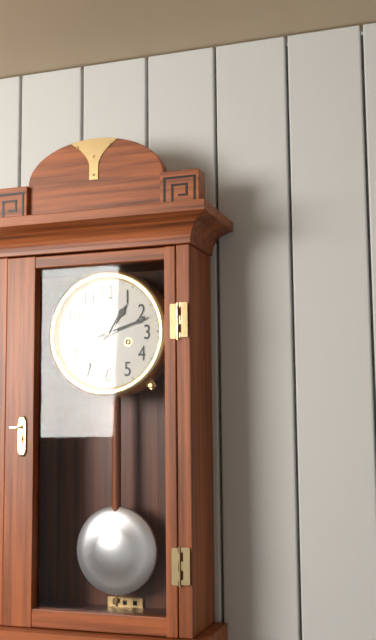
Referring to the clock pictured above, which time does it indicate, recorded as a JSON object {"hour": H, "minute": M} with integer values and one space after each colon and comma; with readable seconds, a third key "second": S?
{"hour": 1, "minute": 12}
